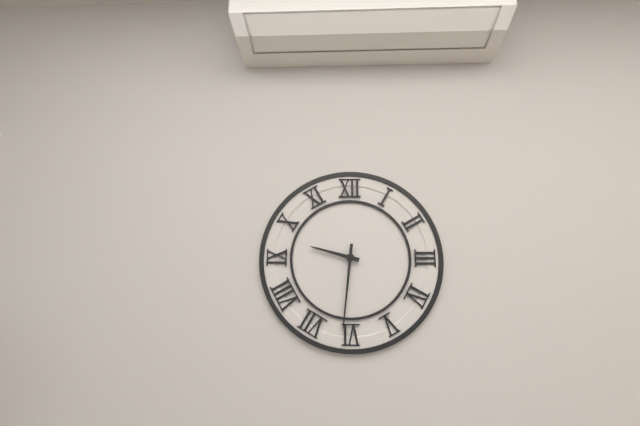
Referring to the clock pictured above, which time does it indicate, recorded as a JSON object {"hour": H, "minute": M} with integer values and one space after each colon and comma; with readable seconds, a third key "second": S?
{"hour": 9, "minute": 31}
